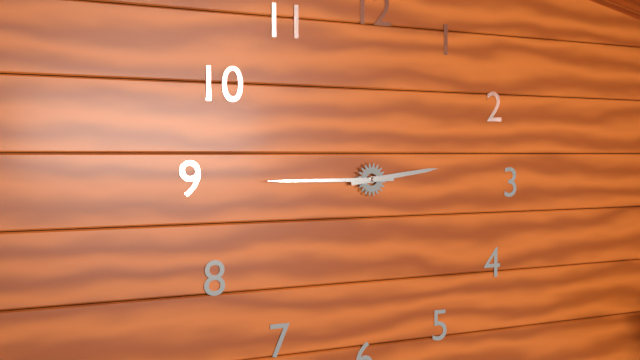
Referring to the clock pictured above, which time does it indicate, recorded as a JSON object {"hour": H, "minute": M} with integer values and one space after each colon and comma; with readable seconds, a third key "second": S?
{"hour": 2, "minute": 45}
